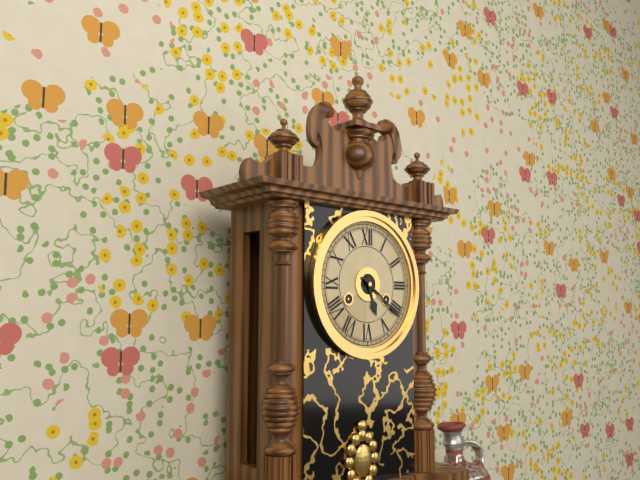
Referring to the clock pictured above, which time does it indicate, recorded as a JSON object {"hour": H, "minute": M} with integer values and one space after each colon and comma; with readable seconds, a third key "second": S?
{"hour": 5, "minute": 21}
